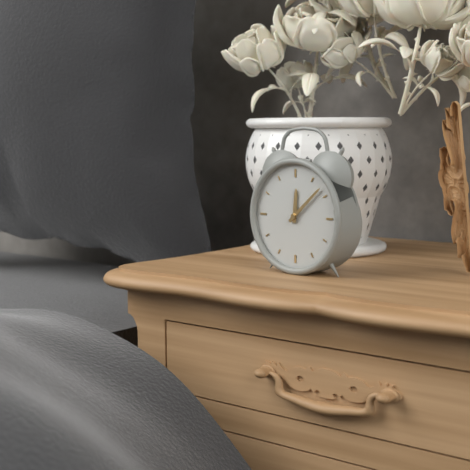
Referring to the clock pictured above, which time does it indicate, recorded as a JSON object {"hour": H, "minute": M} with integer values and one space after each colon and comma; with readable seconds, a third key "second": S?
{"hour": 12, "minute": 8}
